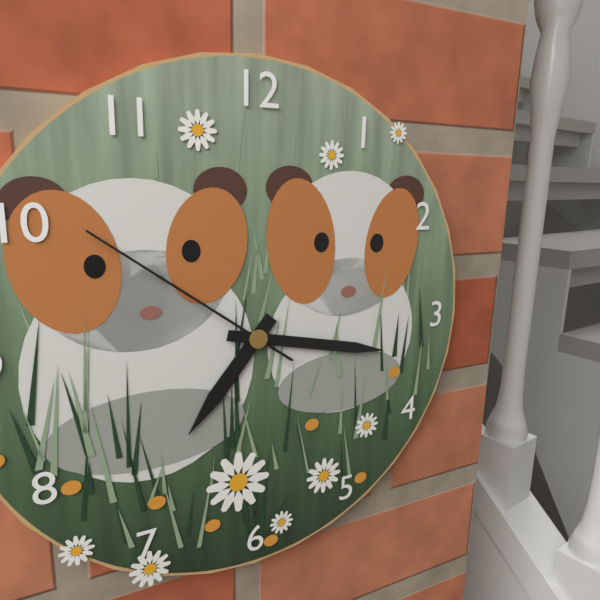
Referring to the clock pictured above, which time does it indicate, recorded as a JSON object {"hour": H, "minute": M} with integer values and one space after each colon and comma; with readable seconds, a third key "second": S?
{"hour": 7, "minute": 17, "second": 51}
